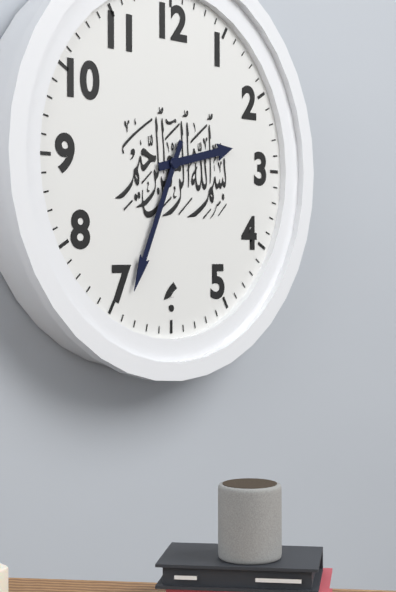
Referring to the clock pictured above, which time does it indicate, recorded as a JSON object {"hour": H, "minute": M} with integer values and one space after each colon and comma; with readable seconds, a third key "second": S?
{"hour": 2, "minute": 34}
